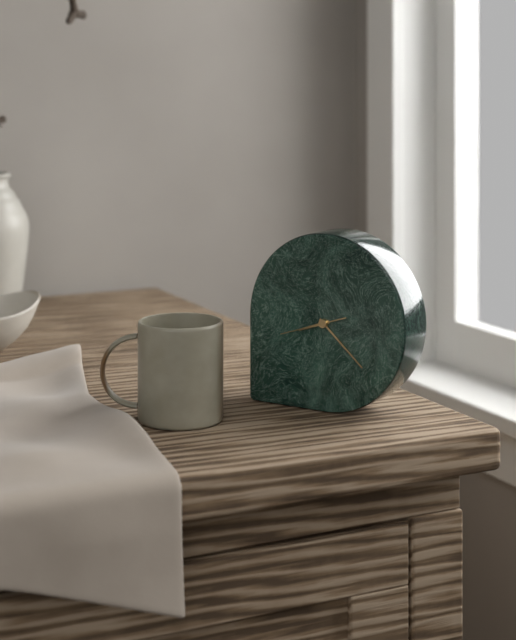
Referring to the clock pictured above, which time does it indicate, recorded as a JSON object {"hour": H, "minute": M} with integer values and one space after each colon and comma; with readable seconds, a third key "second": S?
{"hour": 8, "minute": 22, "second": 42}
